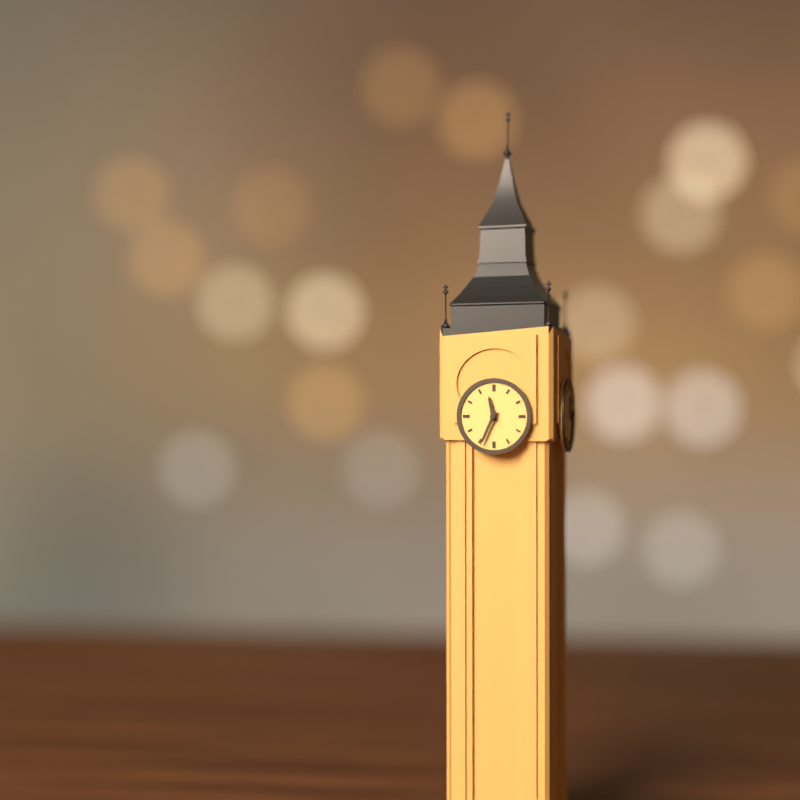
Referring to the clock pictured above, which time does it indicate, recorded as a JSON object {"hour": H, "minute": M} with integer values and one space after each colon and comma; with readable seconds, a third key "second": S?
{"hour": 11, "minute": 34}
